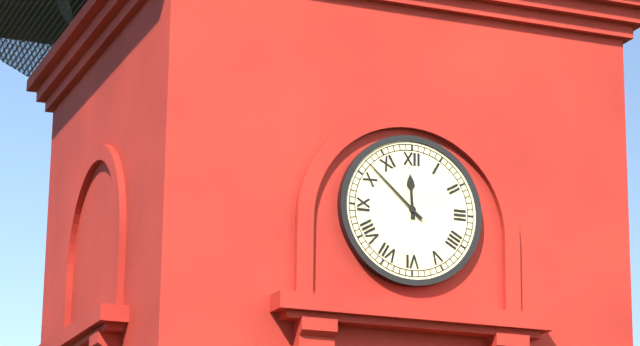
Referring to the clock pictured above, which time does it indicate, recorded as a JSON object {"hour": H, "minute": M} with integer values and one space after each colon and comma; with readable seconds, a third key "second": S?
{"hour": 11, "minute": 52}
